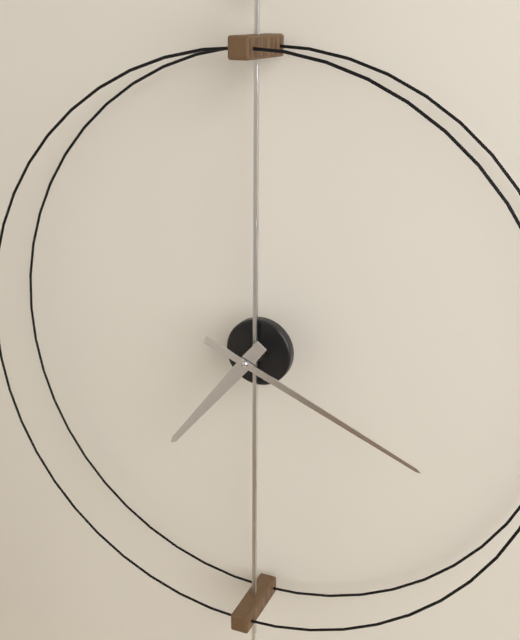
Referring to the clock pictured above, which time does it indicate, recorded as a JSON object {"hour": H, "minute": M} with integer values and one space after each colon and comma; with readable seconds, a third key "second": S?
{"hour": 7, "minute": 19}
